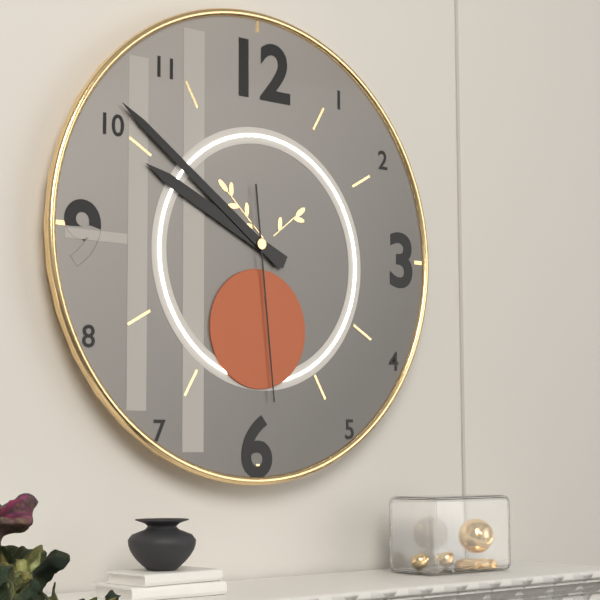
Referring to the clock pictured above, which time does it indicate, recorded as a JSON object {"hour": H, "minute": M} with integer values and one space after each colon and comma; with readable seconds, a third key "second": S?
{"hour": 9, "minute": 51, "second": 29}
